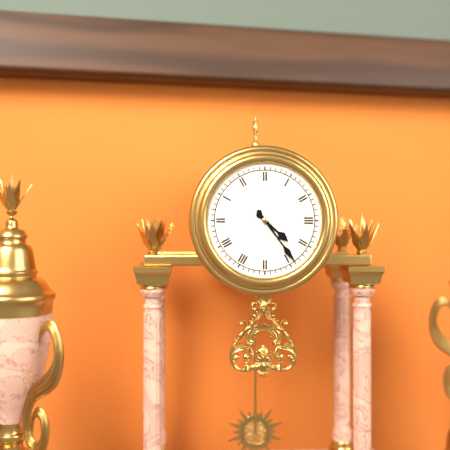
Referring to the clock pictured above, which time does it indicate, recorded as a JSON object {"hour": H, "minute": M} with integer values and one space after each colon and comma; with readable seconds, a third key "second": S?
{"hour": 4, "minute": 24}
